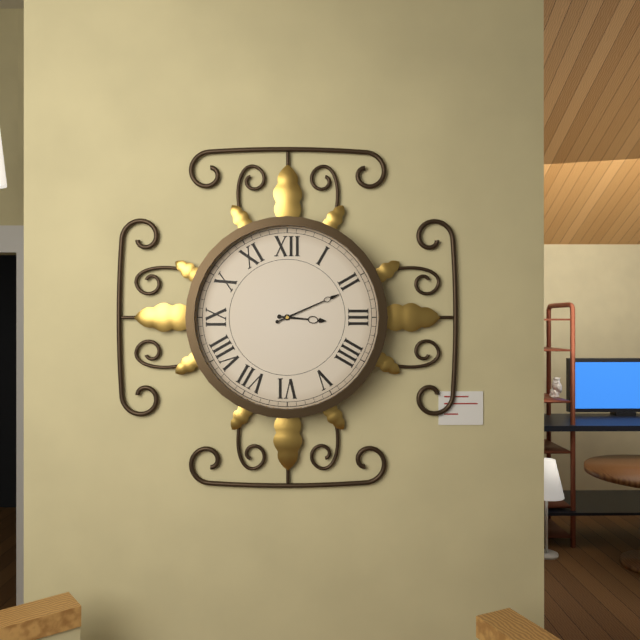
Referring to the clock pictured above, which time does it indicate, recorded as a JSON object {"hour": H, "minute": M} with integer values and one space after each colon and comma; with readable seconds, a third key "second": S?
{"hour": 3, "minute": 11}
